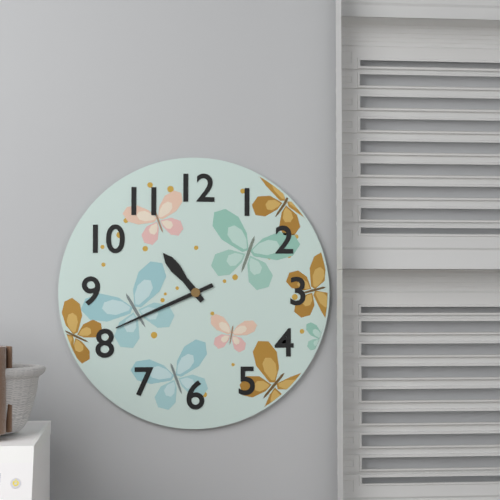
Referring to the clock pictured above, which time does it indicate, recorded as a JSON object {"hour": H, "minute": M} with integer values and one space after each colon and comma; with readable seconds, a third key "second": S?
{"hour": 10, "minute": 41}
